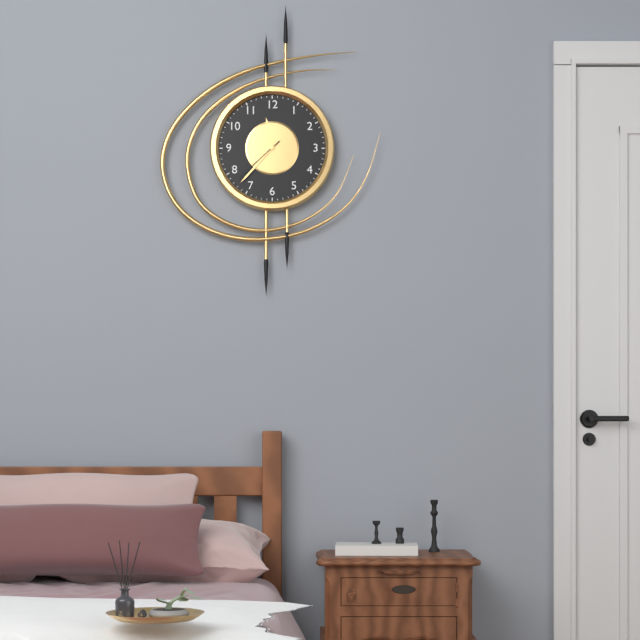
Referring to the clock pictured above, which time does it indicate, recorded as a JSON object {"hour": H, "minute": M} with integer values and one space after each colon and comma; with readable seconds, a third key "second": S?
{"hour": 11, "minute": 37, "second": 38}
